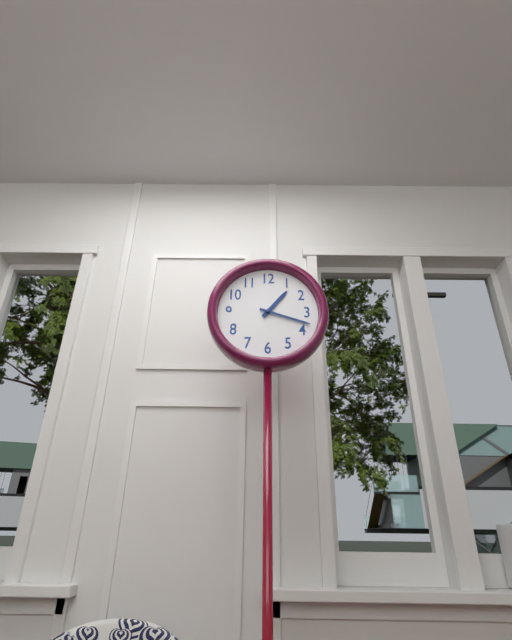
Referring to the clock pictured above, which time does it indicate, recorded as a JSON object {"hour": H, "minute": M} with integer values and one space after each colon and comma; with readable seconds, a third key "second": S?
{"hour": 1, "minute": 18}
